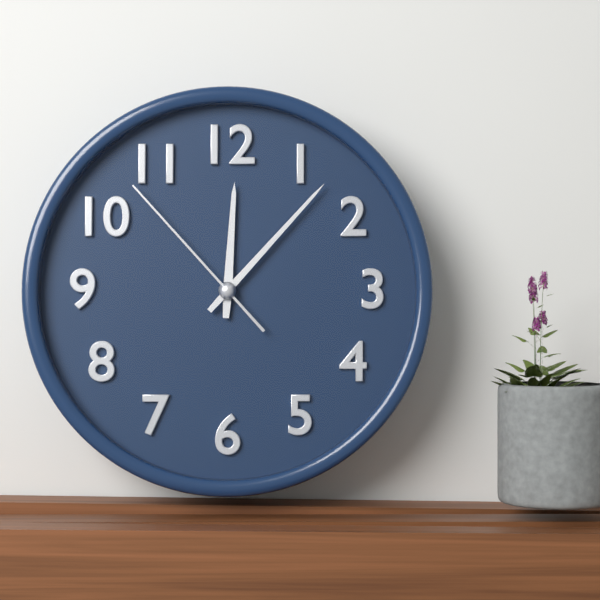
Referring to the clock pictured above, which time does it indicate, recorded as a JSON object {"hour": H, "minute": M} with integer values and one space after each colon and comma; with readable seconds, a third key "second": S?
{"hour": 12, "minute": 7, "second": 53}
